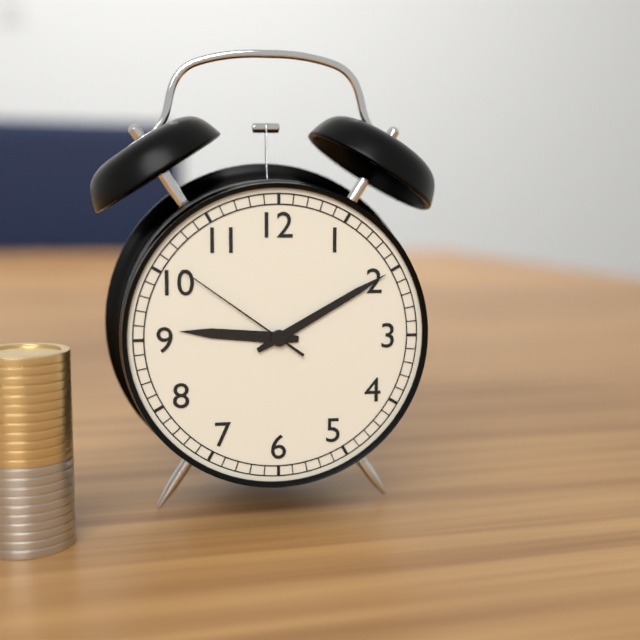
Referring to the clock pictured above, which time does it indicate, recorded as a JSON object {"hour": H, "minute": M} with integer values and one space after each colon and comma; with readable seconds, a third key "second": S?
{"hour": 9, "minute": 10, "second": 51}
